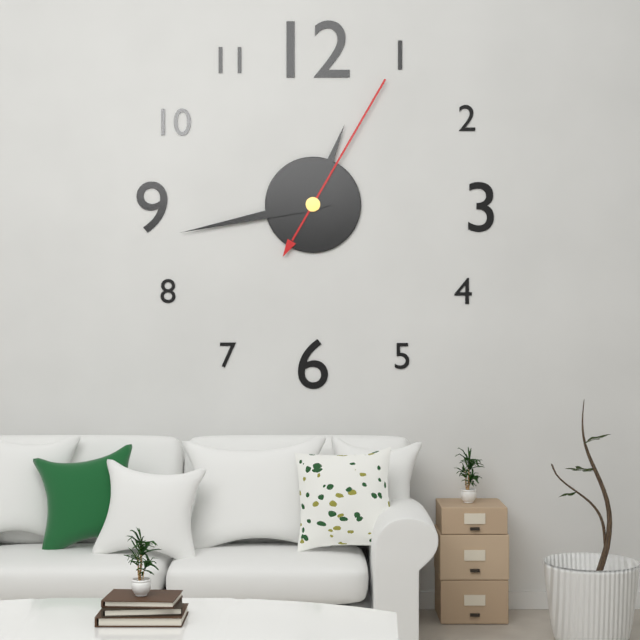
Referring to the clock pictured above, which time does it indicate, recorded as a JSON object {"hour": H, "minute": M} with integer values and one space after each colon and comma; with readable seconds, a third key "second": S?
{"hour": 12, "minute": 43, "second": 5}
